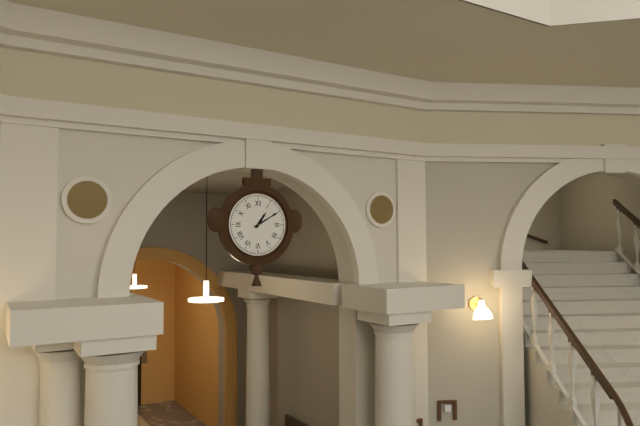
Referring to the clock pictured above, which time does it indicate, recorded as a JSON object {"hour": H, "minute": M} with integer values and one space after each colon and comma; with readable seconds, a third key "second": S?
{"hour": 1, "minute": 10}
